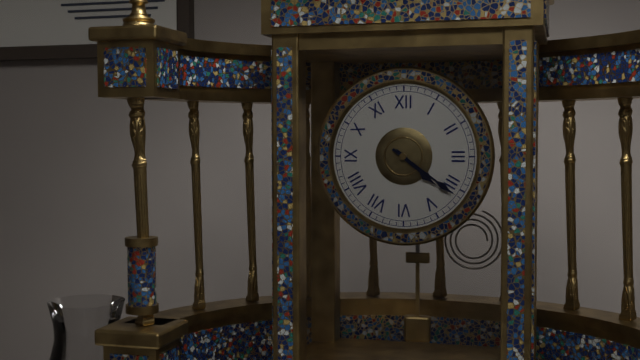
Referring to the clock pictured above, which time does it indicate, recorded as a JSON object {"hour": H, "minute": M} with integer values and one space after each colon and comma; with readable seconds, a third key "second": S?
{"hour": 4, "minute": 21}
